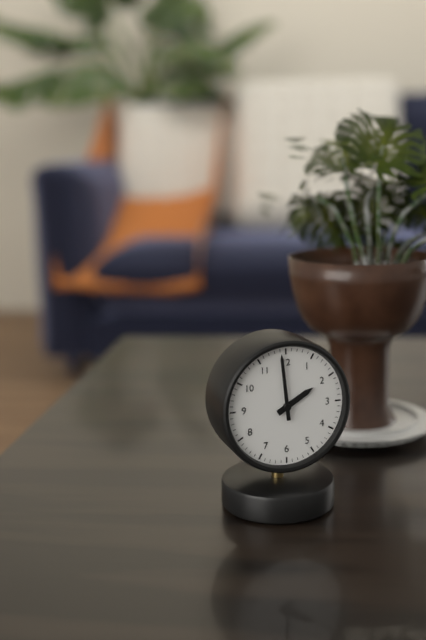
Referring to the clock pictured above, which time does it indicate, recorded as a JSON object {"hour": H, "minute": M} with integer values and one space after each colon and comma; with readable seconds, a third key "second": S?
{"hour": 1, "minute": 59}
